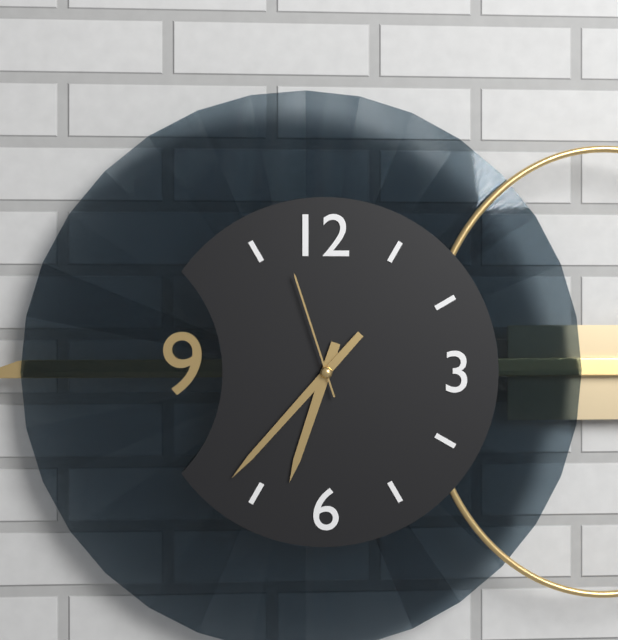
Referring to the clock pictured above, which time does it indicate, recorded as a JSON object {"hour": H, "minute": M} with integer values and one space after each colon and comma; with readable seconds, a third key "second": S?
{"hour": 6, "minute": 37, "second": 57}
